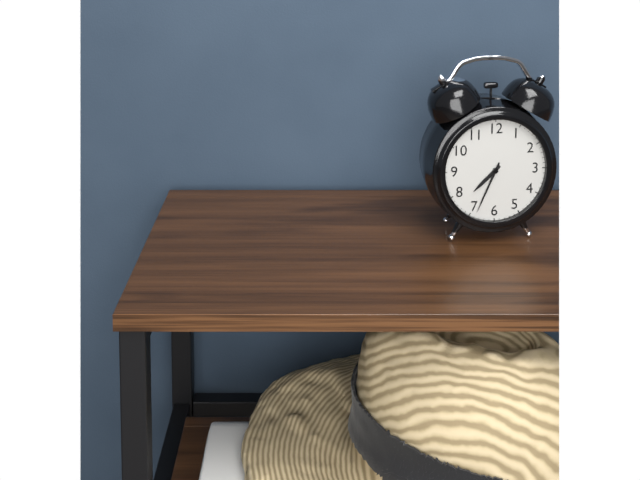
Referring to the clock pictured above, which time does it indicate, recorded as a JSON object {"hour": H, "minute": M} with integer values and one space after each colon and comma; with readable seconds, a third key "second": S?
{"hour": 7, "minute": 34}
